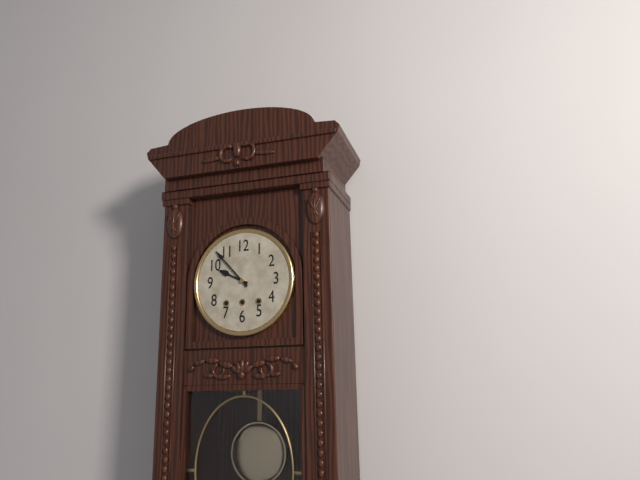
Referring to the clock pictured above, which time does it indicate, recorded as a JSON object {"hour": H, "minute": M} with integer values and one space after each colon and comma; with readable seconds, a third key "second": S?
{"hour": 9, "minute": 53}
